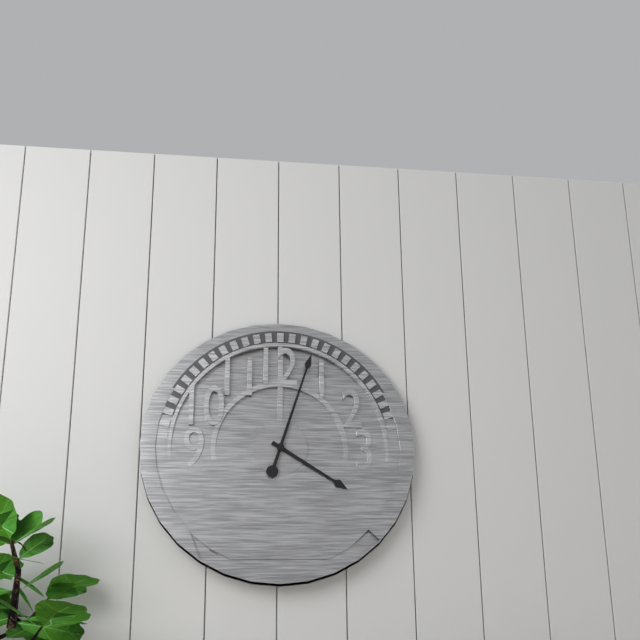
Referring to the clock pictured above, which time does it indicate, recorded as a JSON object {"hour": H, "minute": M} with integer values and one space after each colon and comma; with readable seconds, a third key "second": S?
{"hour": 4, "minute": 3}
